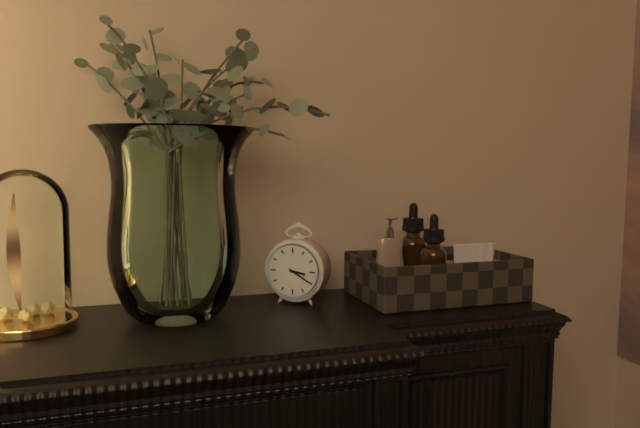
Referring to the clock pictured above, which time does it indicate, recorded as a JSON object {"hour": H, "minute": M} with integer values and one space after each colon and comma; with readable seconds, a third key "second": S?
{"hour": 3, "minute": 20}
